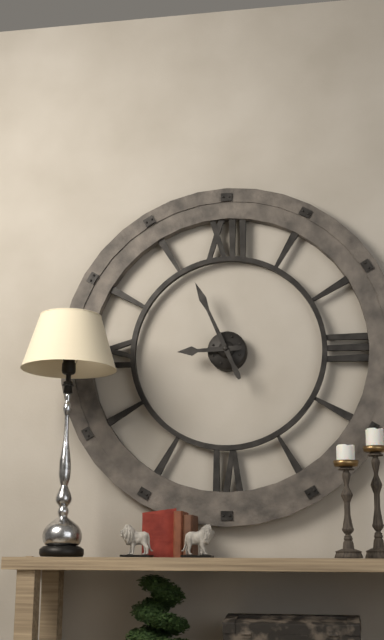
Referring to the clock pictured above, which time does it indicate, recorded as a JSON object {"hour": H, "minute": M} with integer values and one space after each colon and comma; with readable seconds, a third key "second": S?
{"hour": 8, "minute": 56}
